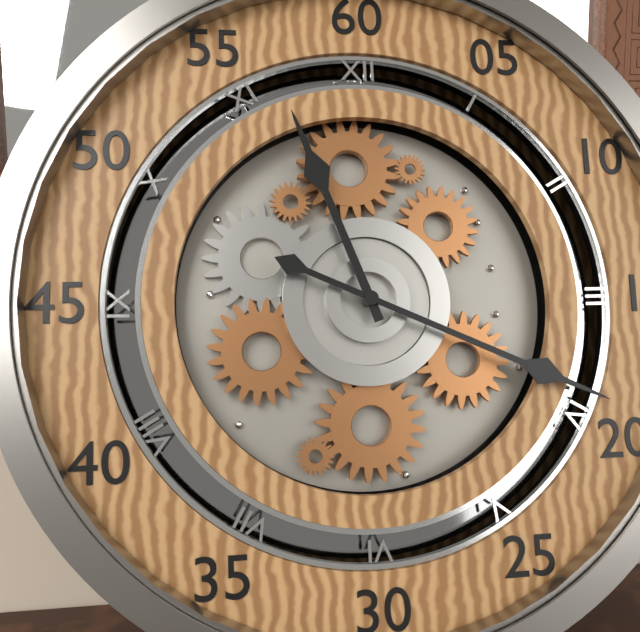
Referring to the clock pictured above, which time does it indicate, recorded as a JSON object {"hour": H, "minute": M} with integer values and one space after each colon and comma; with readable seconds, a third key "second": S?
{"hour": 11, "minute": 19}
